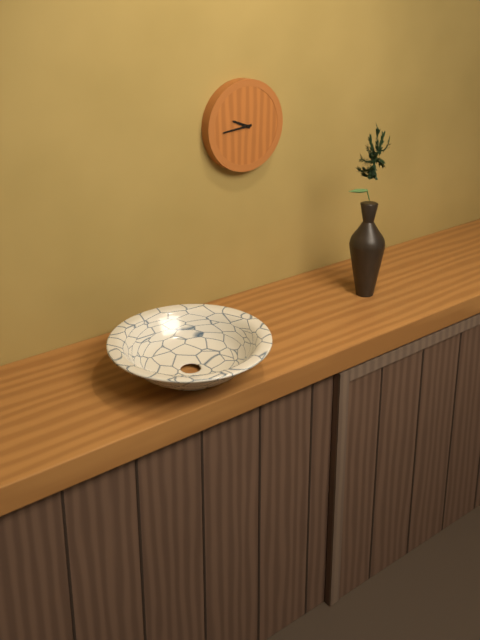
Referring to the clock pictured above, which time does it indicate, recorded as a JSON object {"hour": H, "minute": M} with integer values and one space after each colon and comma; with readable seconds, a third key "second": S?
{"hour": 9, "minute": 44}
